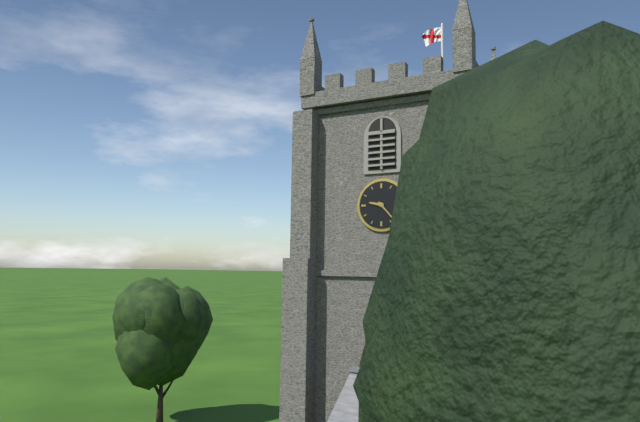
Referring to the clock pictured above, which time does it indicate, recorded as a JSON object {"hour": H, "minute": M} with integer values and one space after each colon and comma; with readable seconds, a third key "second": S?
{"hour": 9, "minute": 23}
